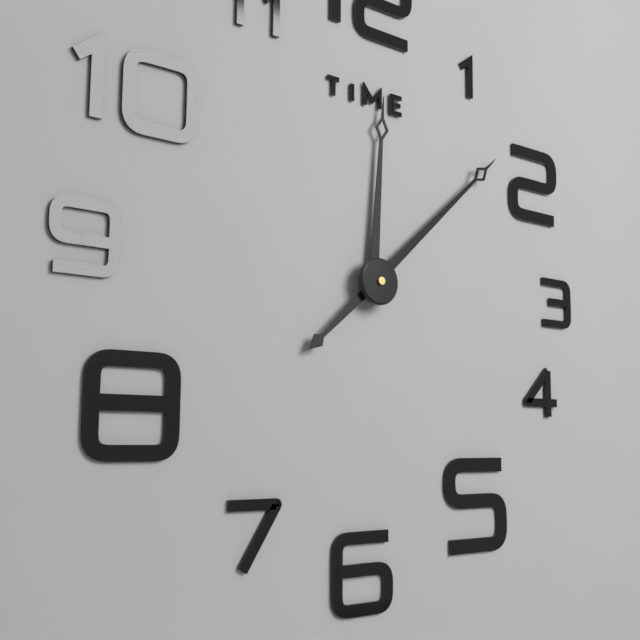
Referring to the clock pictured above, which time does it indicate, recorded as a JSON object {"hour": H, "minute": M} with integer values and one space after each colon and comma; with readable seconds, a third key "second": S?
{"hour": 12, "minute": 8}
